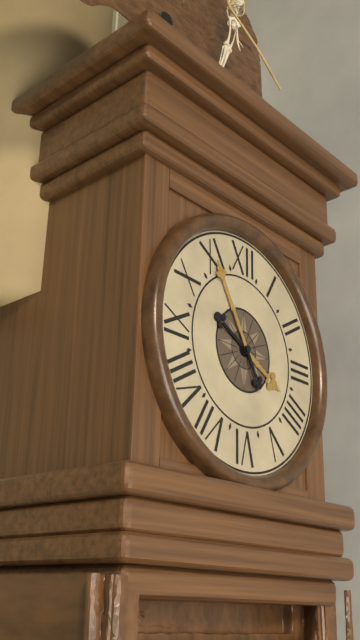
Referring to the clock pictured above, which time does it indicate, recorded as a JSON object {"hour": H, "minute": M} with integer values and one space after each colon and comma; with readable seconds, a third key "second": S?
{"hour": 3, "minute": 55}
